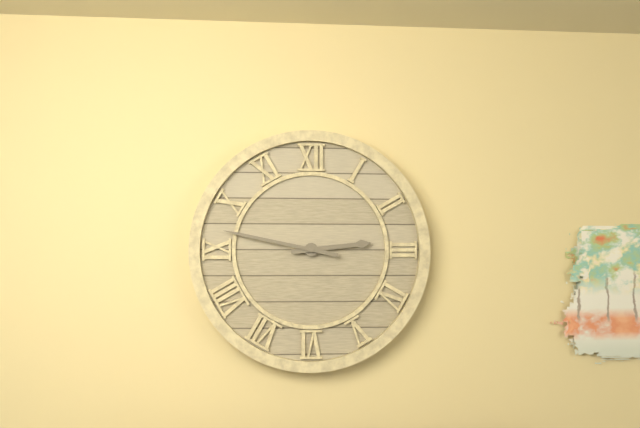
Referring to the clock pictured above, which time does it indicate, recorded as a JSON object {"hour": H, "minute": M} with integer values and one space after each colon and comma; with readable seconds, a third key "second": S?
{"hour": 2, "minute": 47}
